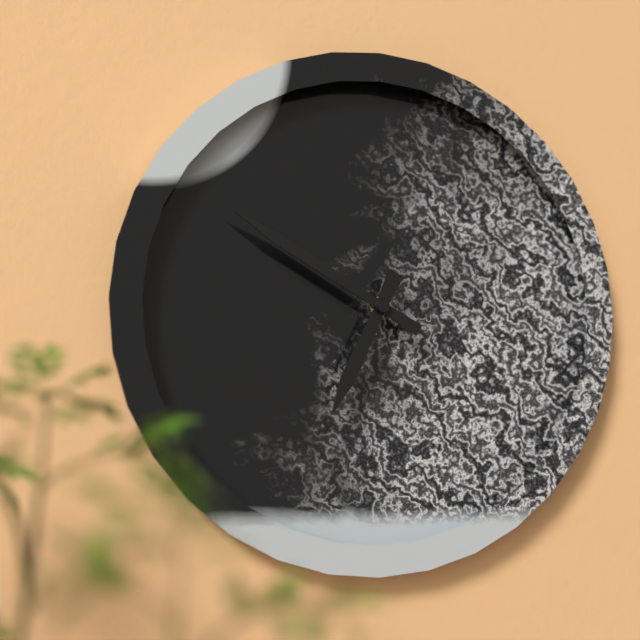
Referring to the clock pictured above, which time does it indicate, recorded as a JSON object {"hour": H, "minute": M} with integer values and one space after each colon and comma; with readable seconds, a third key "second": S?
{"hour": 6, "minute": 50}
